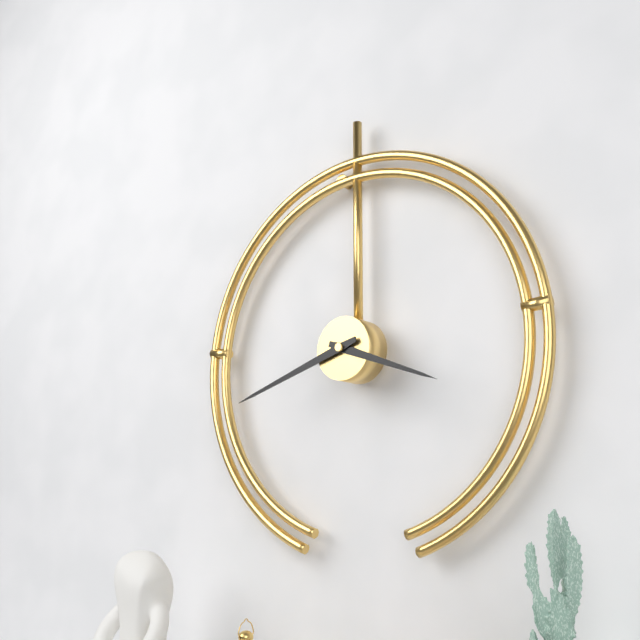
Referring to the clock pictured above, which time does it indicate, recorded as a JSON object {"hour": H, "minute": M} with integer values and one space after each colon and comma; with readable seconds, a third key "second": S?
{"hour": 3, "minute": 42}
